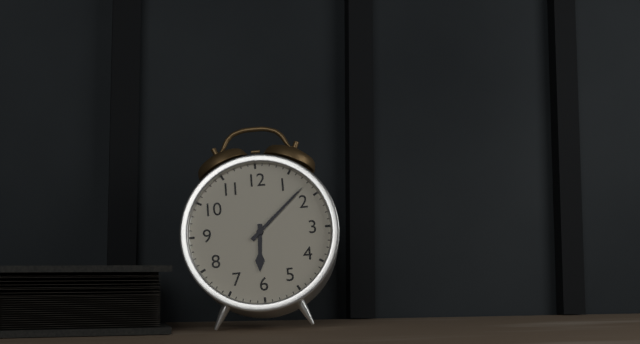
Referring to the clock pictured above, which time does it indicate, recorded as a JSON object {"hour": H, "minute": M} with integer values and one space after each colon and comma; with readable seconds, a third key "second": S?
{"hour": 6, "minute": 8}
